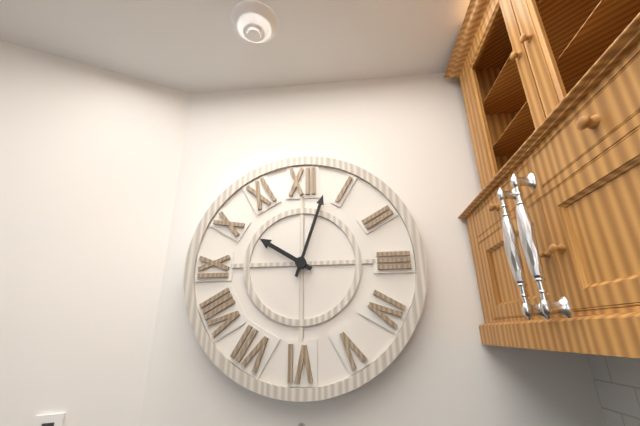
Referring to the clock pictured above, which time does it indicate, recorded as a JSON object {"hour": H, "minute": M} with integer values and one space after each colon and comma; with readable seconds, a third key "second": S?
{"hour": 10, "minute": 3}
